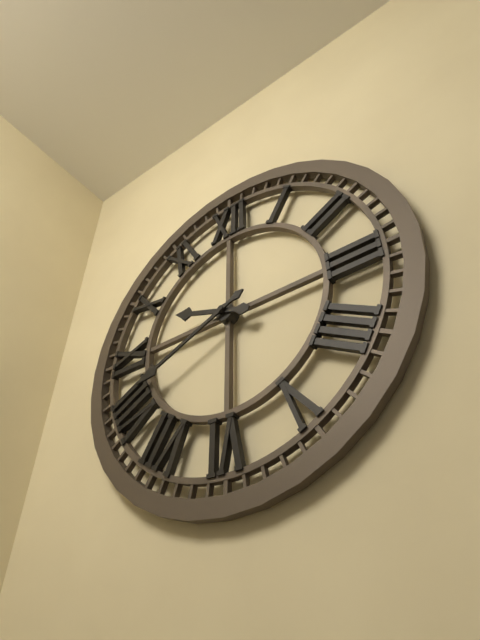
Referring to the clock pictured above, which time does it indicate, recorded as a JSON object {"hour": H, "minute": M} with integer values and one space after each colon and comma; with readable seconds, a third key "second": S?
{"hour": 9, "minute": 41}
